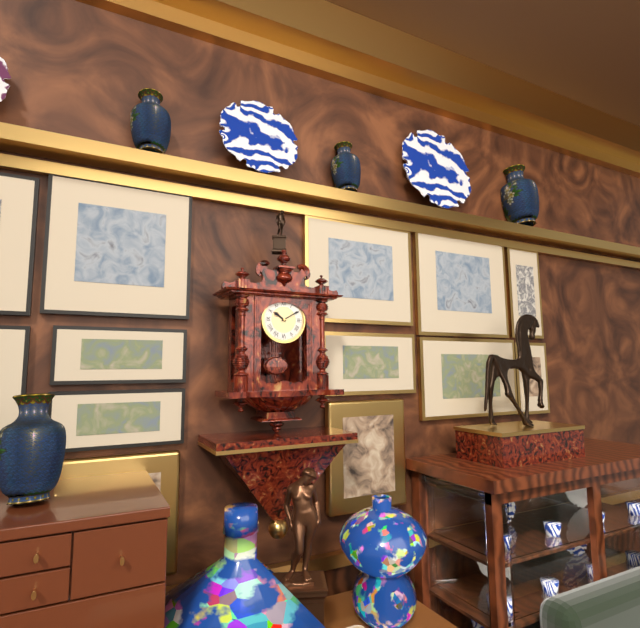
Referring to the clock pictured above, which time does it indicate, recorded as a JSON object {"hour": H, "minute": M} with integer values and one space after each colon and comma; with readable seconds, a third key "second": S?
{"hour": 10, "minute": 10}
